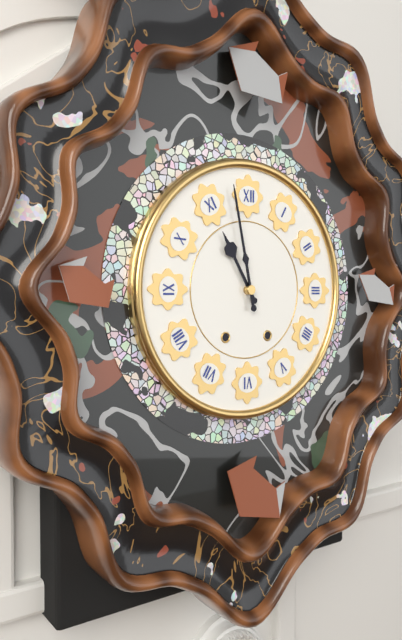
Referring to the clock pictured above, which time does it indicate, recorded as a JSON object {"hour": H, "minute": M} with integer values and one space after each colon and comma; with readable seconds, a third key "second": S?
{"hour": 10, "minute": 58}
